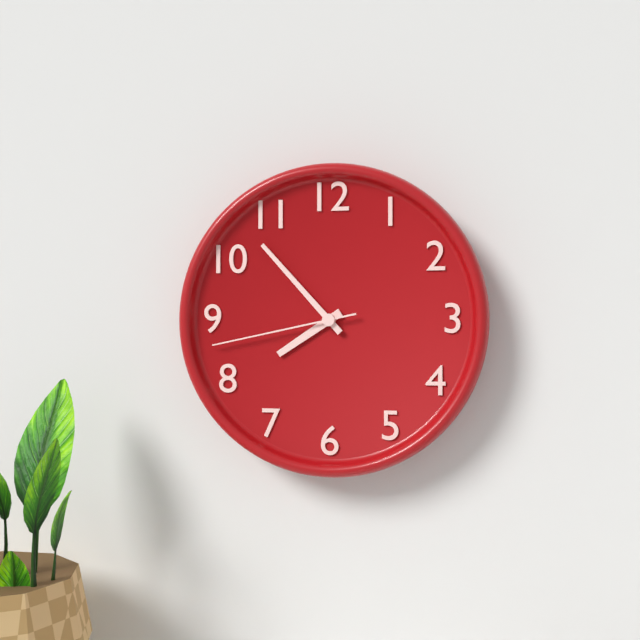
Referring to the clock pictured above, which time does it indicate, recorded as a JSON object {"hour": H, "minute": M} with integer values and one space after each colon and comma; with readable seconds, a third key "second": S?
{"hour": 7, "minute": 53, "second": 43}
